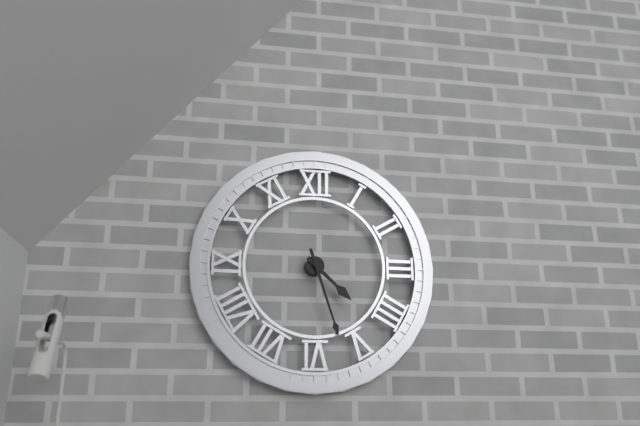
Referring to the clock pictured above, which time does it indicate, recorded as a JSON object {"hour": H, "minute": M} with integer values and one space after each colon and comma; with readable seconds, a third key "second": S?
{"hour": 4, "minute": 27}
